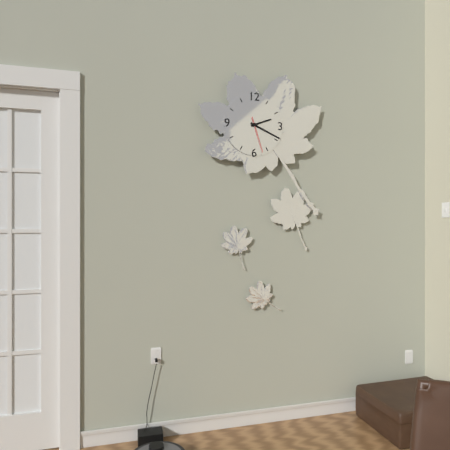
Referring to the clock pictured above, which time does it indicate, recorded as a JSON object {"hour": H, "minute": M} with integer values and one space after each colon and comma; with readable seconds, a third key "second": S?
{"hour": 2, "minute": 19}
